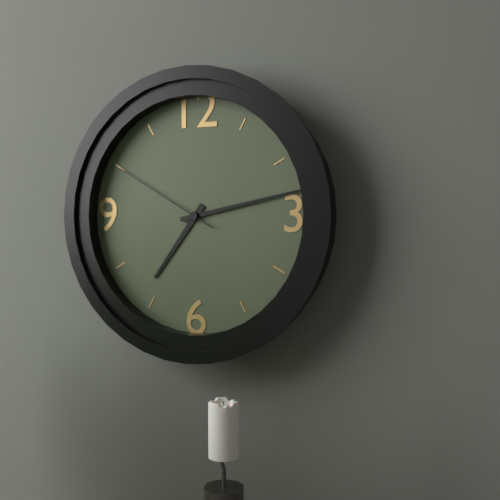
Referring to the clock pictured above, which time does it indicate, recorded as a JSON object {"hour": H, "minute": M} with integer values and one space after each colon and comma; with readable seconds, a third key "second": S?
{"hour": 7, "minute": 13, "second": 50}
